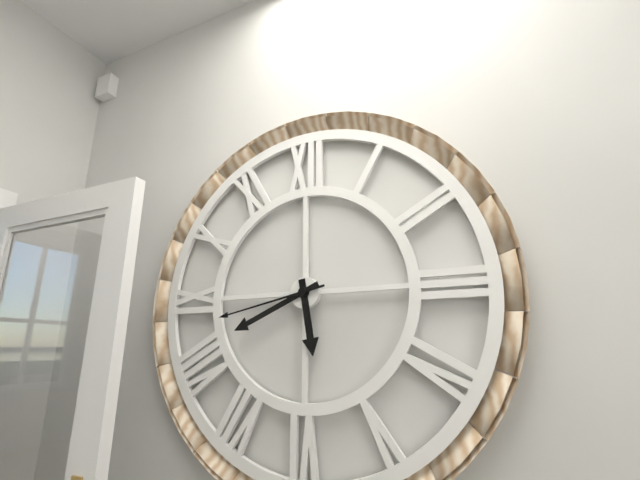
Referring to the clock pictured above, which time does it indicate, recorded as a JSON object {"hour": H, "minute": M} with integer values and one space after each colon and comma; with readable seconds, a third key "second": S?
{"hour": 5, "minute": 41, "second": 43}
